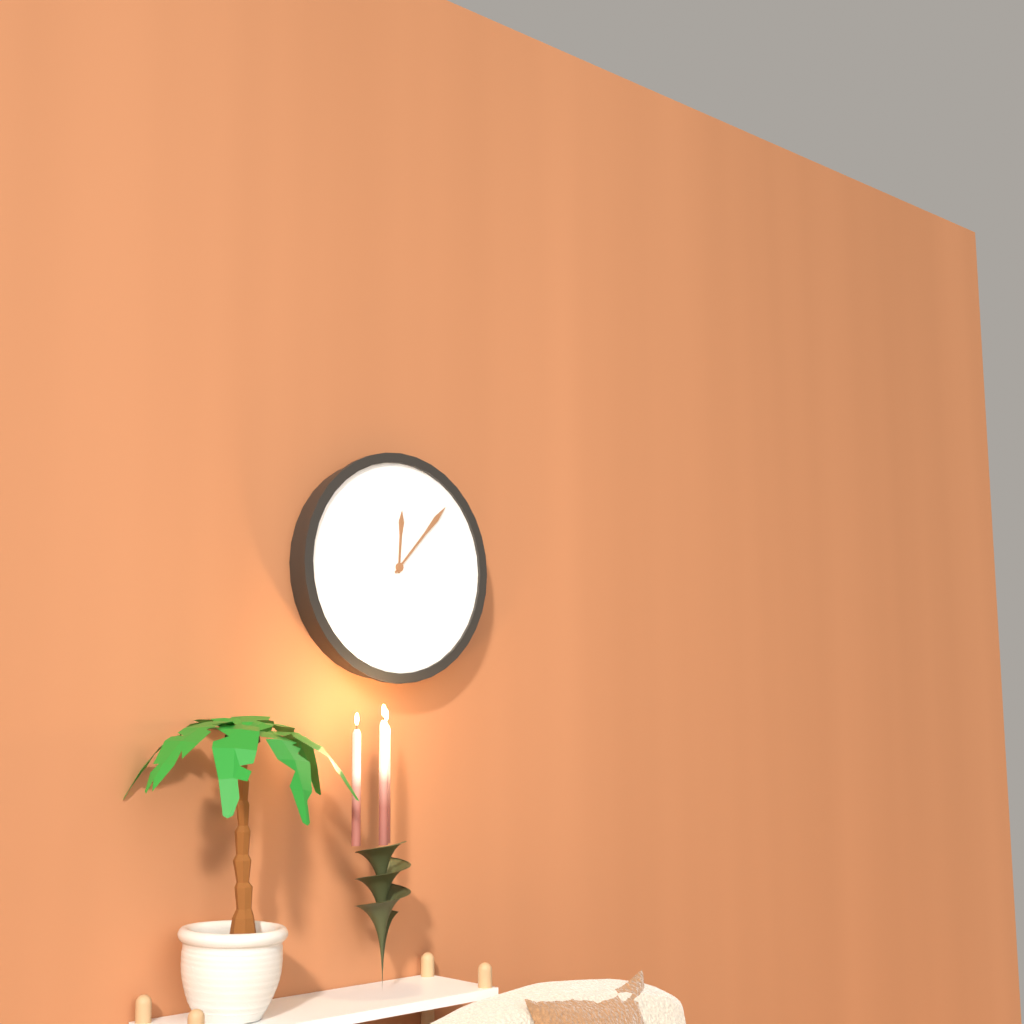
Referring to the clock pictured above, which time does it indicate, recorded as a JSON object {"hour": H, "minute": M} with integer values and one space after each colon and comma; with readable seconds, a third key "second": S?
{"hour": 12, "minute": 7}
